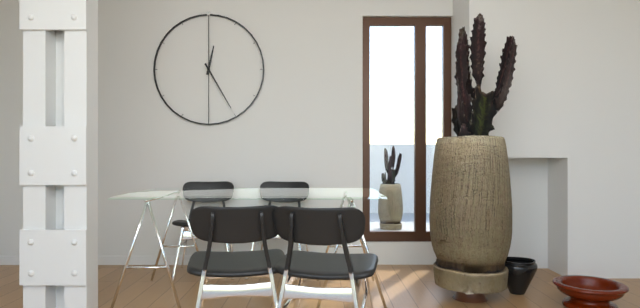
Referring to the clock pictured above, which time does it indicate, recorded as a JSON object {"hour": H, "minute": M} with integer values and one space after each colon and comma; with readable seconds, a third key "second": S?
{"hour": 12, "minute": 25}
